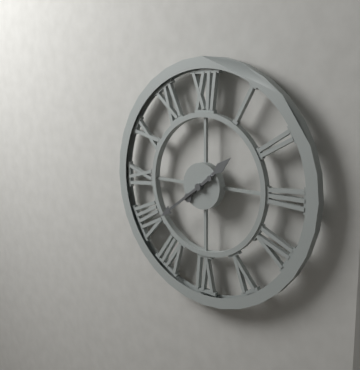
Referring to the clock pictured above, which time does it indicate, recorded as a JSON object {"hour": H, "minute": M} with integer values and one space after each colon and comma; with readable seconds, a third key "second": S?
{"hour": 1, "minute": 39}
